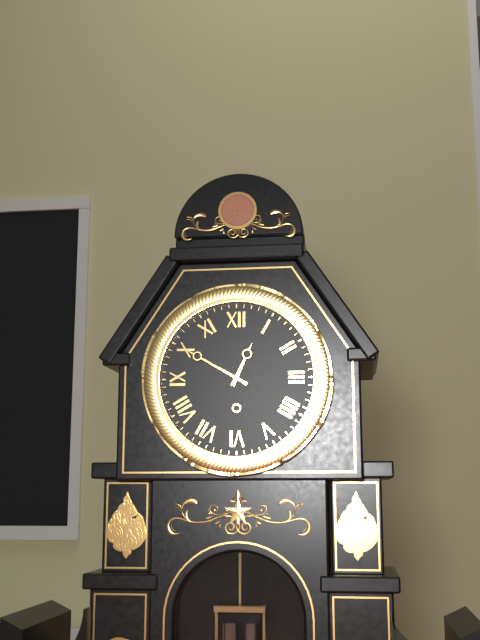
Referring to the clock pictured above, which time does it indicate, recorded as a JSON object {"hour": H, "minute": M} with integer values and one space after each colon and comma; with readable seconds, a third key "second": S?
{"hour": 12, "minute": 50}
